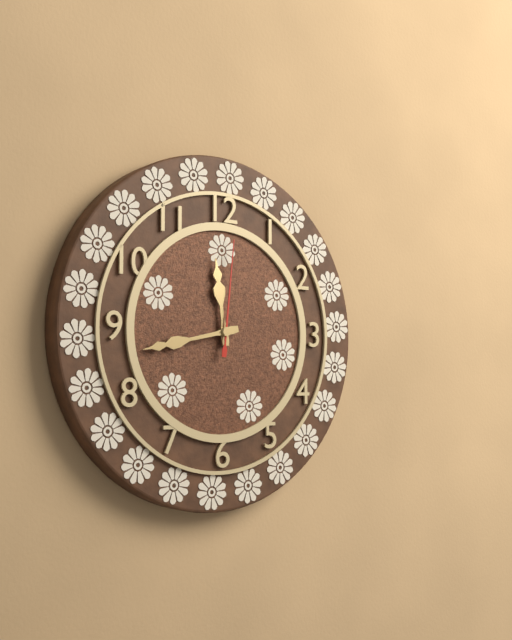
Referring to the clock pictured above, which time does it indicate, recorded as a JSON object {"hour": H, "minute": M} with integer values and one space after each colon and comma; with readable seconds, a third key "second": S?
{"hour": 11, "minute": 43, "second": 1}
